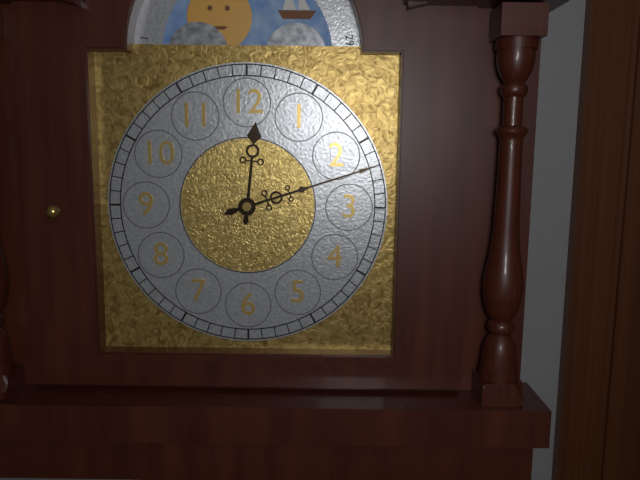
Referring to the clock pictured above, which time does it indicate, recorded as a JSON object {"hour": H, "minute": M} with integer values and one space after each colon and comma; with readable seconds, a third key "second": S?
{"hour": 12, "minute": 12}
